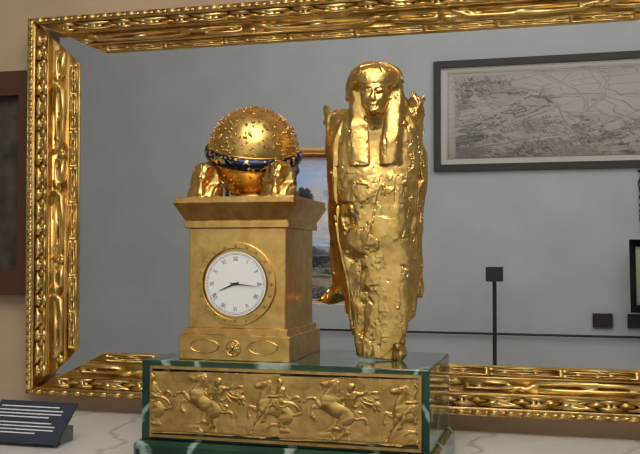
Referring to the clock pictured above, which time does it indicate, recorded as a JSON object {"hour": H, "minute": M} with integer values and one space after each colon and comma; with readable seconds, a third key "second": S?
{"hour": 8, "minute": 16}
